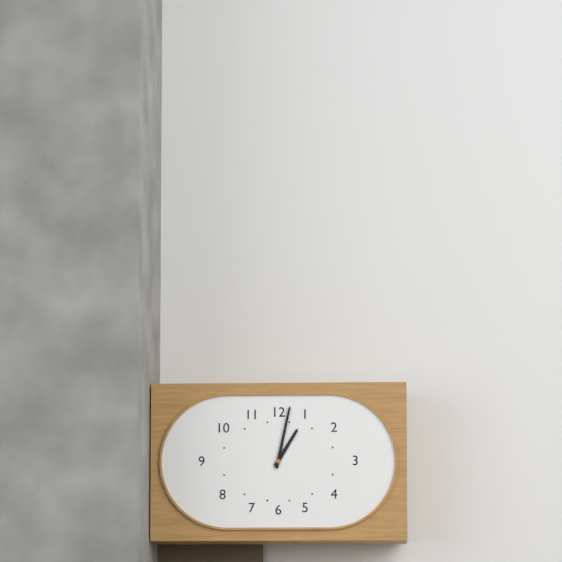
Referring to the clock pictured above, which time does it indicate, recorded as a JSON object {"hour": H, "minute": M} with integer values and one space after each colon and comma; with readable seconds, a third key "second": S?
{"hour": 1, "minute": 2}
